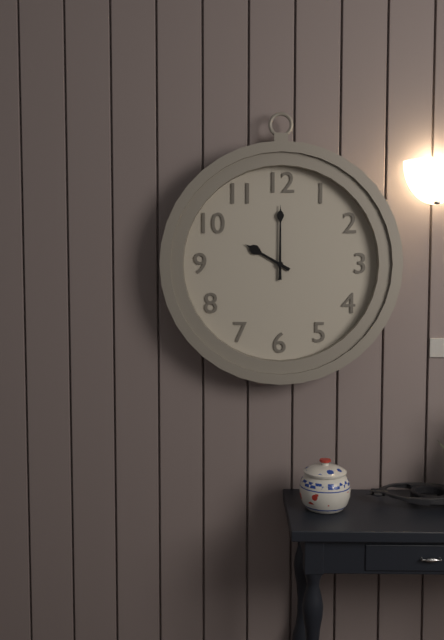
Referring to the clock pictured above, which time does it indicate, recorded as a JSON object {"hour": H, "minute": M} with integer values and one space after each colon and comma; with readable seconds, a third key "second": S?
{"hour": 10, "minute": 0}
